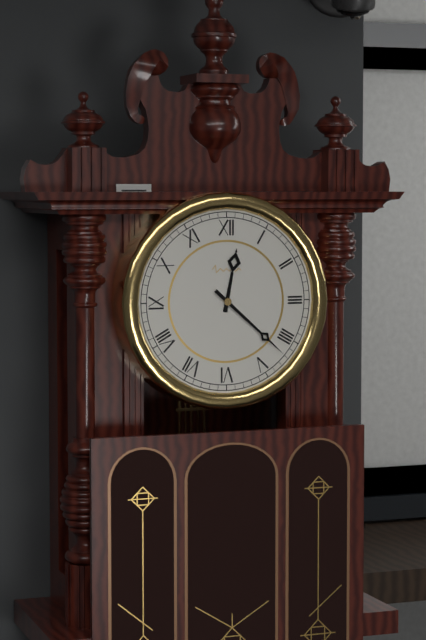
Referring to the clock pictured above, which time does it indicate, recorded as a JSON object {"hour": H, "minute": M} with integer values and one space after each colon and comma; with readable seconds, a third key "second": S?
{"hour": 12, "minute": 22}
